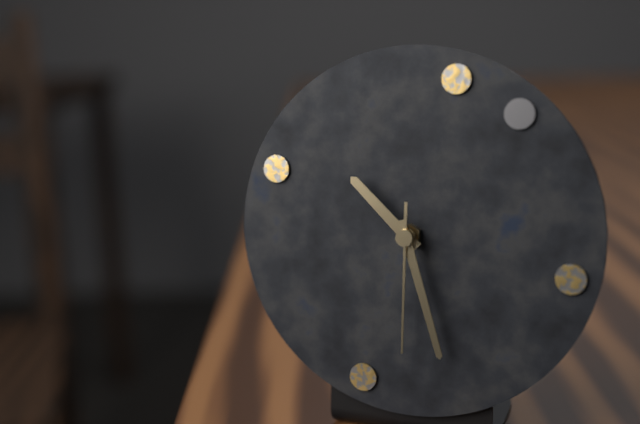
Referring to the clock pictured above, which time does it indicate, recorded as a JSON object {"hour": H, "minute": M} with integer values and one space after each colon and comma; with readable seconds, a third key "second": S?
{"hour": 10, "minute": 27, "second": 30}
